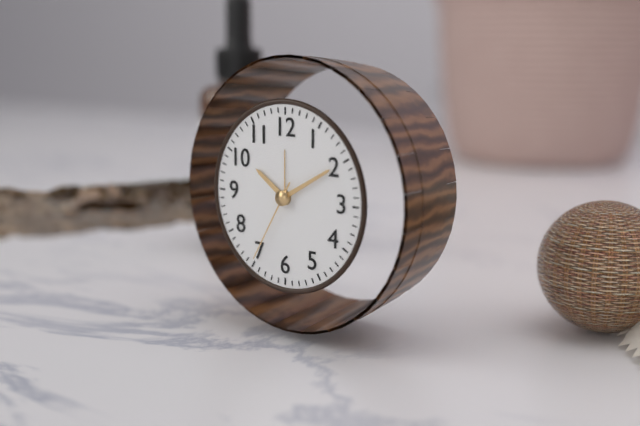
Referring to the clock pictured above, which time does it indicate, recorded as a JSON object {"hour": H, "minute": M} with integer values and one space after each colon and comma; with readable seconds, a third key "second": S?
{"hour": 10, "minute": 10, "second": 35}
